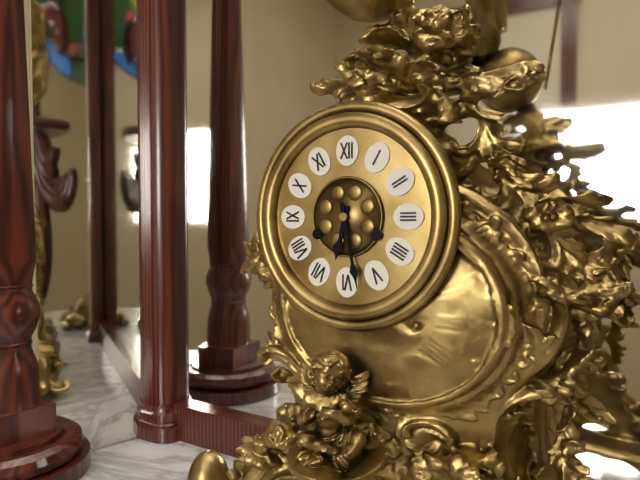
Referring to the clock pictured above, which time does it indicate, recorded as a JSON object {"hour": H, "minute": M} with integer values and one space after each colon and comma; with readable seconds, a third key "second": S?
{"hour": 6, "minute": 28}
